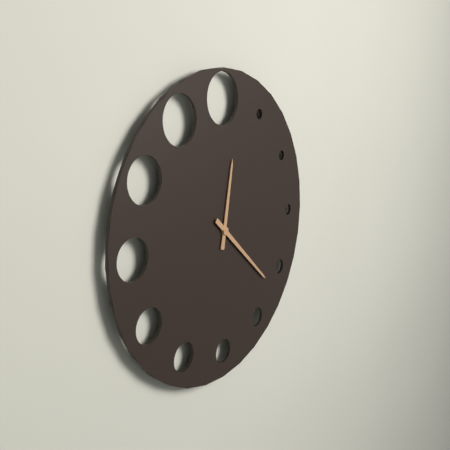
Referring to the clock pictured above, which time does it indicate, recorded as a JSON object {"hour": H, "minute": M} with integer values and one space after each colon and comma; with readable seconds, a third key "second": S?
{"hour": 12, "minute": 22}
